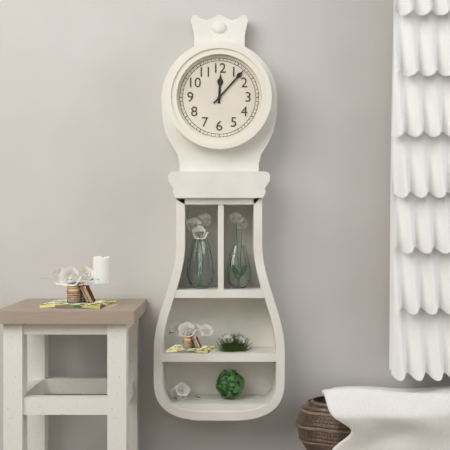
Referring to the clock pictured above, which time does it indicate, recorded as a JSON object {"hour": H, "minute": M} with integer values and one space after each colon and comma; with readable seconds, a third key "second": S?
{"hour": 12, "minute": 7}
